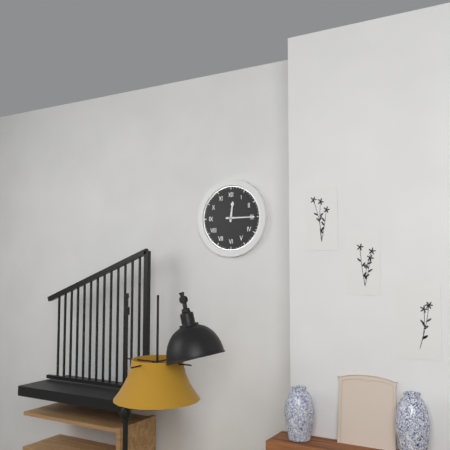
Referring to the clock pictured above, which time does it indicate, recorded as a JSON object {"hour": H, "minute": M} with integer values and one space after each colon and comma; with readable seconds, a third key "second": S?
{"hour": 12, "minute": 15}
